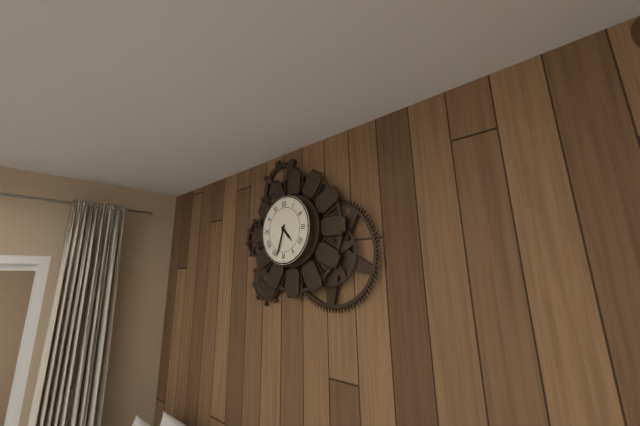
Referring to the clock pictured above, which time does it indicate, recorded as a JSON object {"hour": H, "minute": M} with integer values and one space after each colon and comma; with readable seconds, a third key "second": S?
{"hour": 4, "minute": 33}
